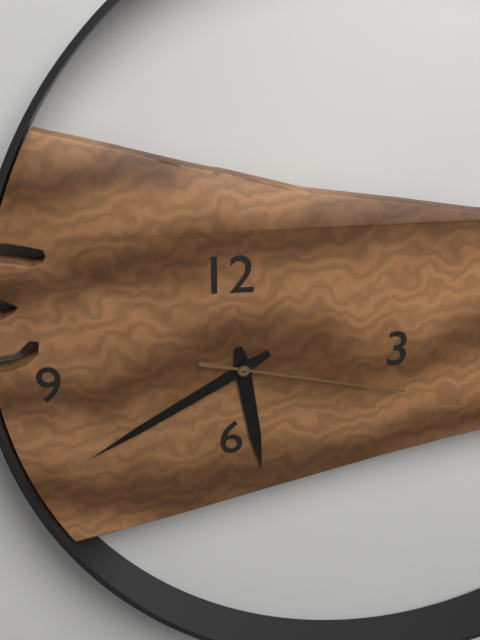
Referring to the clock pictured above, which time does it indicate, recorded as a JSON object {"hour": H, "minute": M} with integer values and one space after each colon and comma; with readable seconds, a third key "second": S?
{"hour": 5, "minute": 40, "second": 17}
